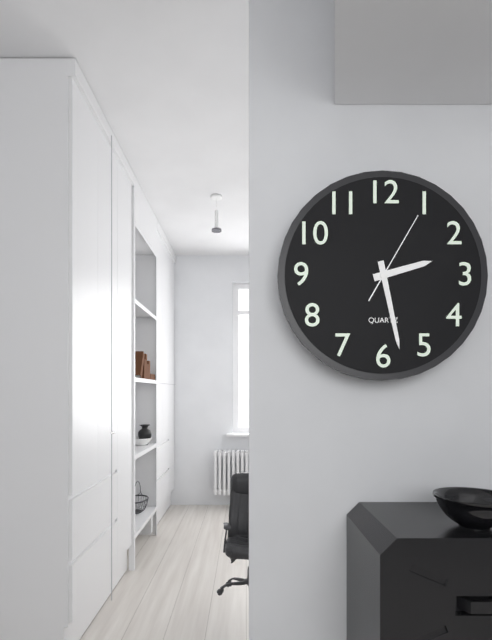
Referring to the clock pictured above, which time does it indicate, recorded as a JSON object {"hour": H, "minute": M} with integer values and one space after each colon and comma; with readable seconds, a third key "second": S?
{"hour": 2, "minute": 28, "second": 5}
